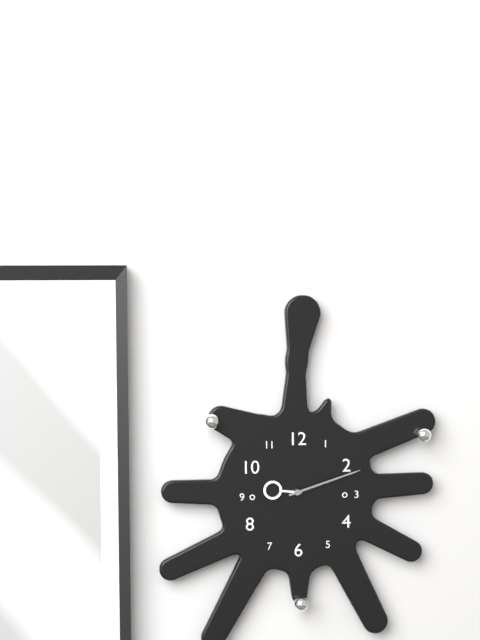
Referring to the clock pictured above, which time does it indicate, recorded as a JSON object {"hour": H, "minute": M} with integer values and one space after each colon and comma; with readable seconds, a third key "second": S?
{"hour": 9, "minute": 12}
